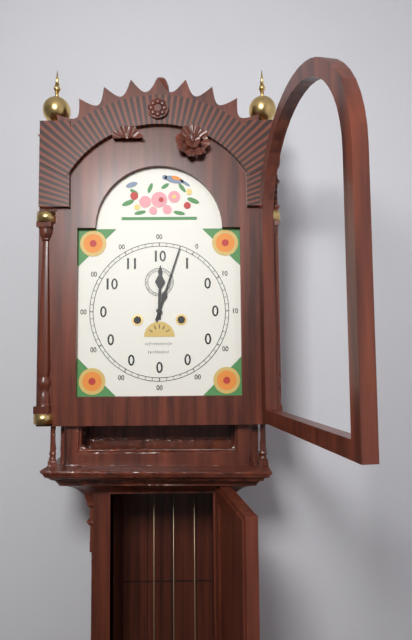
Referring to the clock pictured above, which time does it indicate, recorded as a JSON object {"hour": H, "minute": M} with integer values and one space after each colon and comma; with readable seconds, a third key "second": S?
{"hour": 12, "minute": 3}
